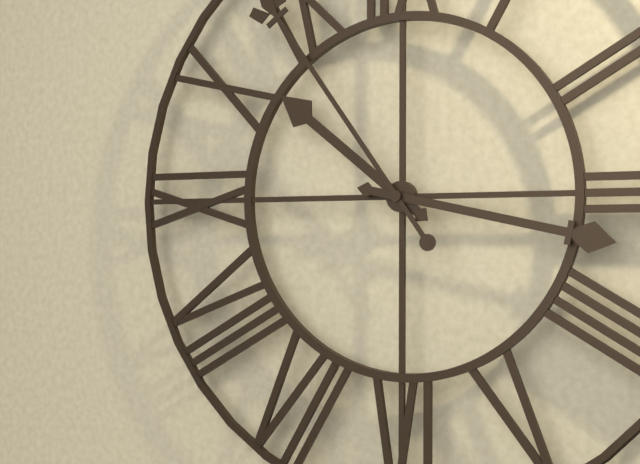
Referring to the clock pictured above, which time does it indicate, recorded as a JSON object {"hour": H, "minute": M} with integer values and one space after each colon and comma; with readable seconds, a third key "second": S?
{"hour": 10, "minute": 17}
